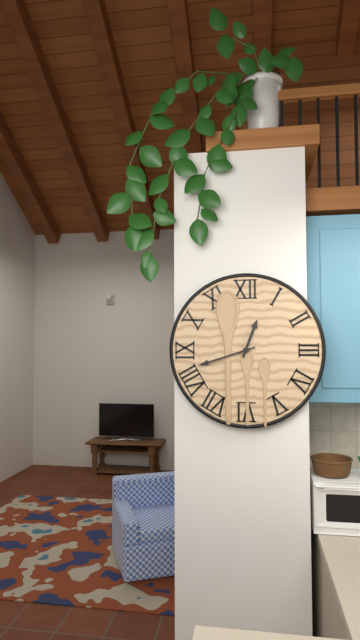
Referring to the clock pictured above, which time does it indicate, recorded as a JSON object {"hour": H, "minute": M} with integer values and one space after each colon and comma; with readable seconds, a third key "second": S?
{"hour": 12, "minute": 42}
